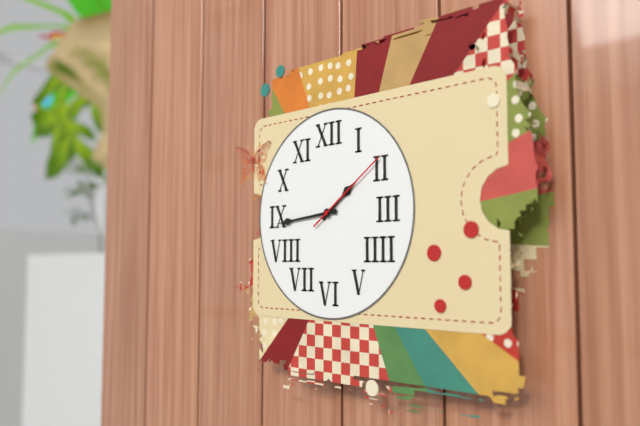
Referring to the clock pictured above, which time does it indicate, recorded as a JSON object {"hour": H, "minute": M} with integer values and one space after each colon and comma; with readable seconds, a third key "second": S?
{"hour": 1, "minute": 44, "second": 9}
